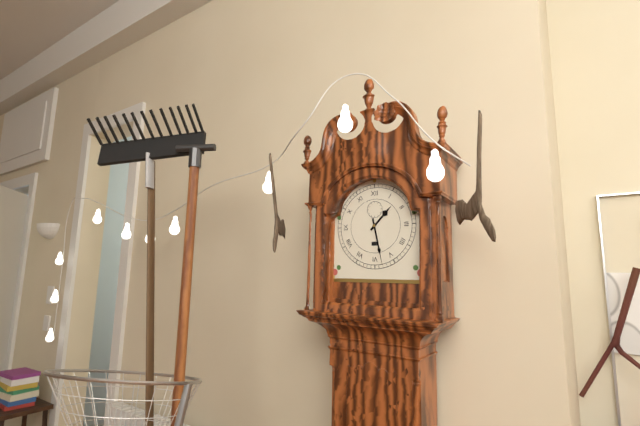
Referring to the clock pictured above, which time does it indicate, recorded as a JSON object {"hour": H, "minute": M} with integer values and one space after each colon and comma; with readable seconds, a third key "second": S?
{"hour": 1, "minute": 28}
